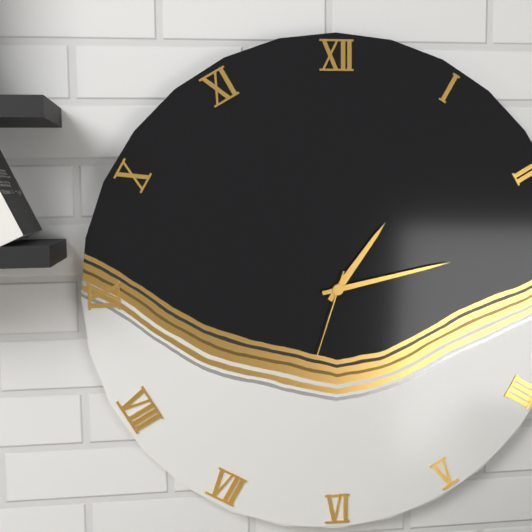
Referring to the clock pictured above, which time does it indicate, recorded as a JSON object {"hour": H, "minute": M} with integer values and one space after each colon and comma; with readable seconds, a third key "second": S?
{"hour": 1, "minute": 13, "second": 33}
